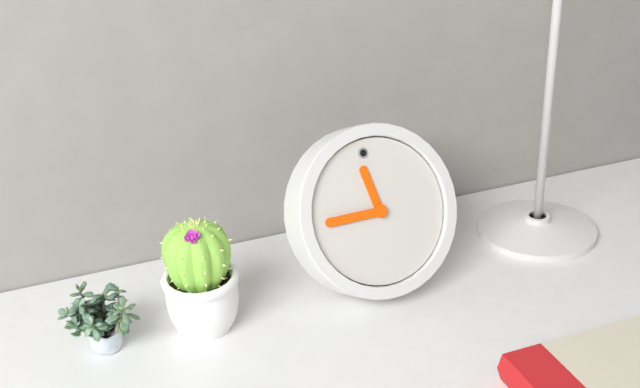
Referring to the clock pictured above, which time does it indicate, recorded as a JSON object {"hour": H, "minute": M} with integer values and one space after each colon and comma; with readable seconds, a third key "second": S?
{"hour": 11, "minute": 46}
